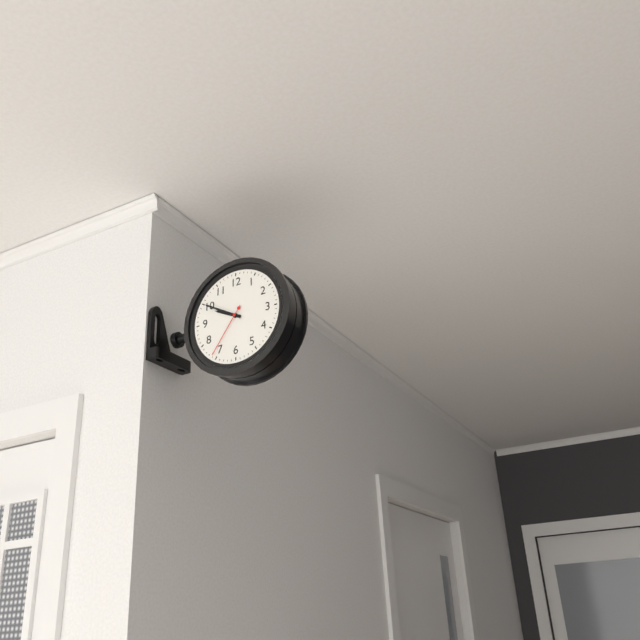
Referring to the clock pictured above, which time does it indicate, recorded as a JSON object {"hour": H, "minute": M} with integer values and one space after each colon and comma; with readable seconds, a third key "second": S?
{"hour": 9, "minute": 50, "second": 36}
